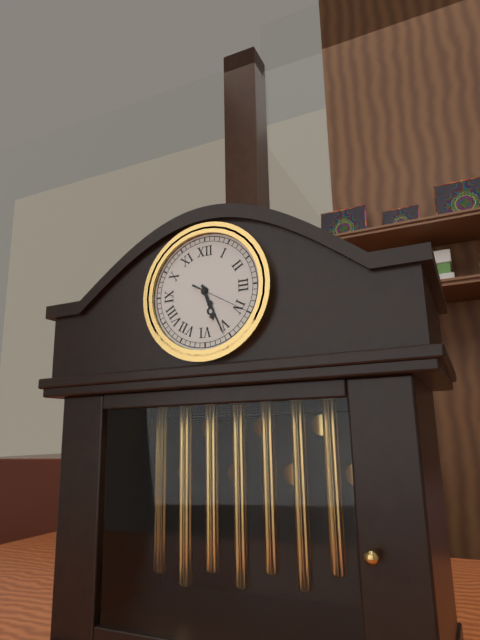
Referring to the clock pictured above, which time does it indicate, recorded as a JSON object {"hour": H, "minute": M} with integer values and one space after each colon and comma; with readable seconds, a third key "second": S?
{"hour": 5, "minute": 26, "second": 20}
